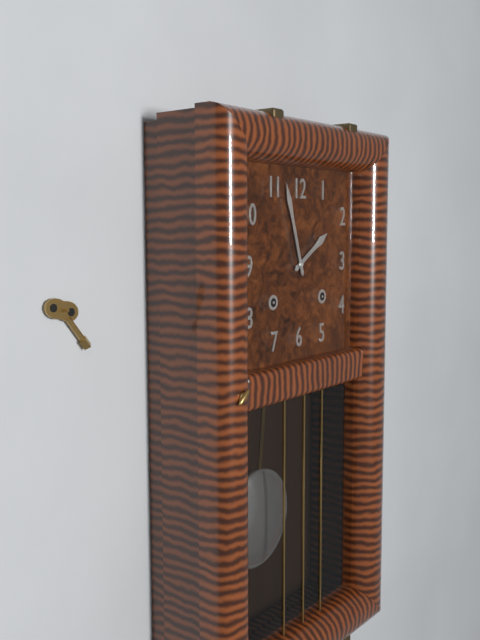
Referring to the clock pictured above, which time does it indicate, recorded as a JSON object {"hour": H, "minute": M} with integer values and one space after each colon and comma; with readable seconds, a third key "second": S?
{"hour": 1, "minute": 57}
